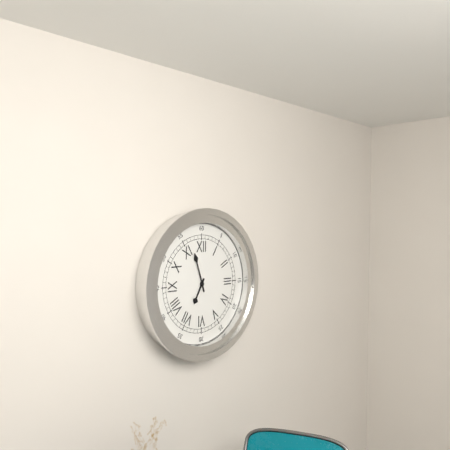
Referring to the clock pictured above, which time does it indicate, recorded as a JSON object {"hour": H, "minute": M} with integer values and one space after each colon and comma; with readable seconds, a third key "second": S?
{"hour": 6, "minute": 57}
